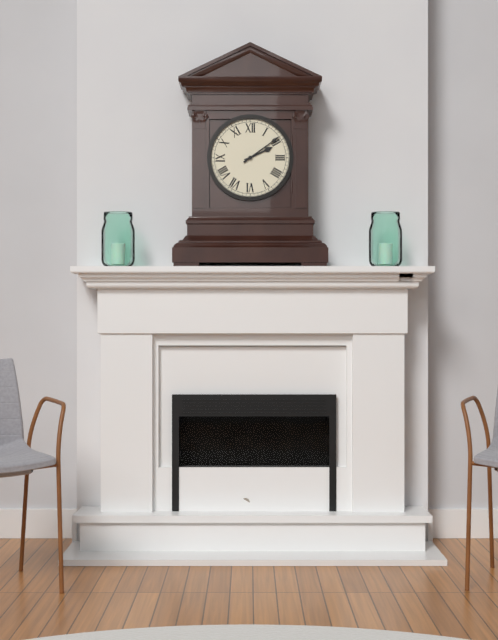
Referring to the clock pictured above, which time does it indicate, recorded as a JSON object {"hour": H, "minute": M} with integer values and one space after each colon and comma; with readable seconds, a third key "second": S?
{"hour": 2, "minute": 9}
